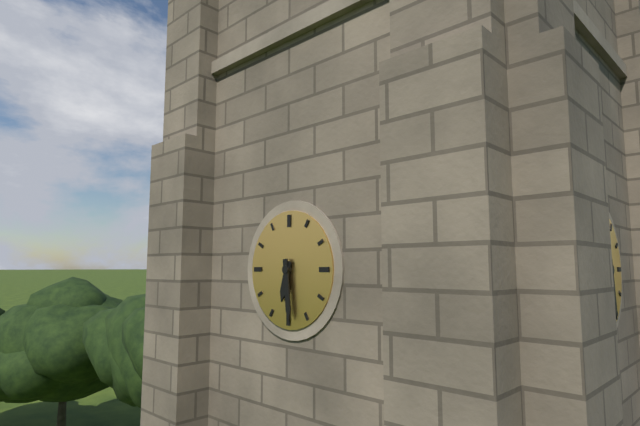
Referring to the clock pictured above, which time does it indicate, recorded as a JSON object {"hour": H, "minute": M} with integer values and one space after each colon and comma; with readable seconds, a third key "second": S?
{"hour": 6, "minute": 29}
